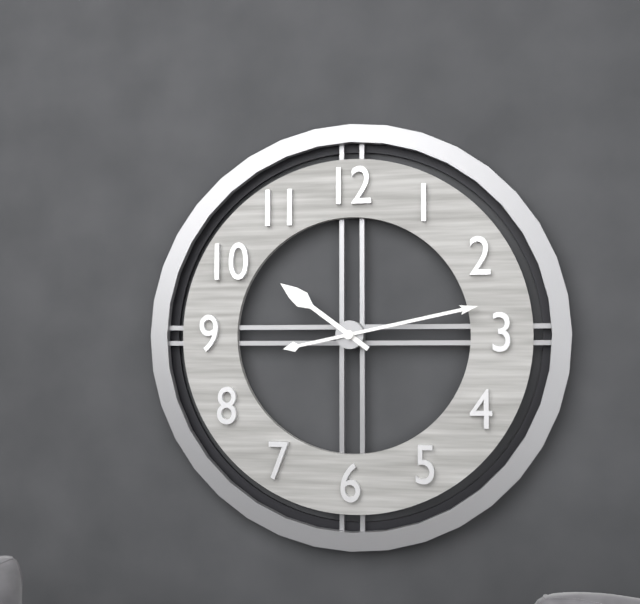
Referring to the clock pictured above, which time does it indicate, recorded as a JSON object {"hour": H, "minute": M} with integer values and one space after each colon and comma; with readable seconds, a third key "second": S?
{"hour": 10, "minute": 13}
